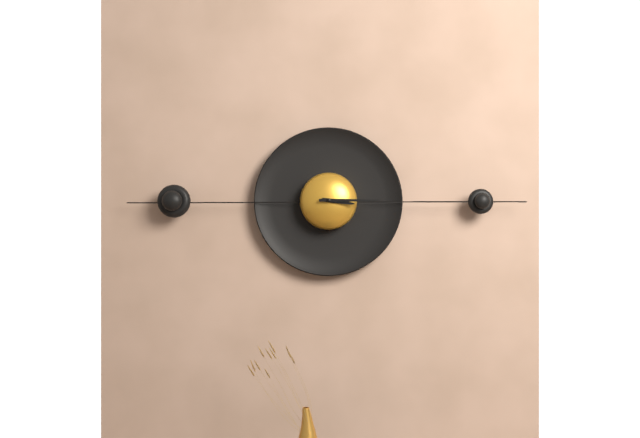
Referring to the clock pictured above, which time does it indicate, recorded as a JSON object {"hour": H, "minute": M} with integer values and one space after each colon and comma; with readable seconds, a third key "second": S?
{"hour": 3, "minute": 15}
